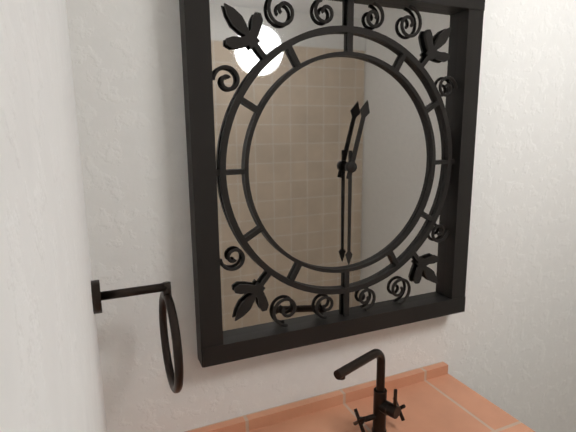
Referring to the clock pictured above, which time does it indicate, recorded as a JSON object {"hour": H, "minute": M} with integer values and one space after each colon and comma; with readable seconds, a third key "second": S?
{"hour": 12, "minute": 30}
